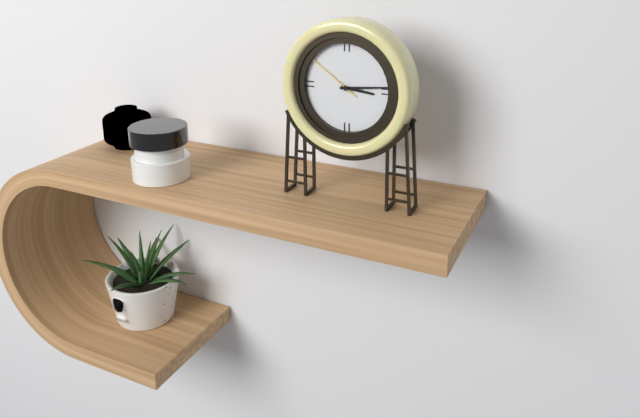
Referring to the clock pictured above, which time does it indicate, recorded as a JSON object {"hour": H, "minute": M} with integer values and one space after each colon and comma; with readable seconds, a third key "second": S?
{"hour": 3, "minute": 14, "second": 51}
